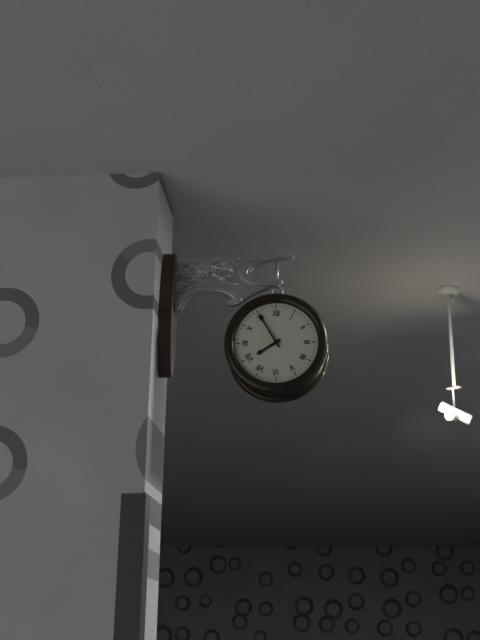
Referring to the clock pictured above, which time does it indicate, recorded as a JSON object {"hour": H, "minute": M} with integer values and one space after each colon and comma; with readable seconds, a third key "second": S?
{"hour": 7, "minute": 55}
